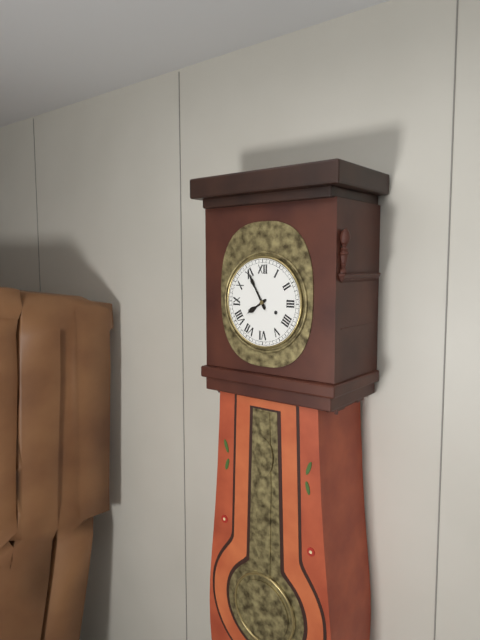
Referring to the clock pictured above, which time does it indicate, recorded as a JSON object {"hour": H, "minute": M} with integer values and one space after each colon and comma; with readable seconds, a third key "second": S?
{"hour": 7, "minute": 55}
